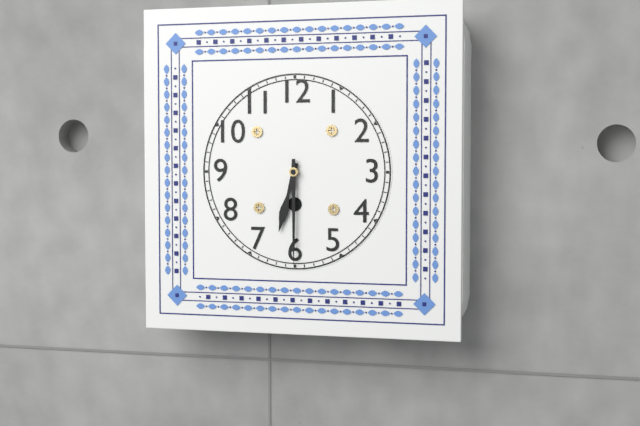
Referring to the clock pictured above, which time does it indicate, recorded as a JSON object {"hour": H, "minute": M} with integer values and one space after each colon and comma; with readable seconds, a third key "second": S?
{"hour": 6, "minute": 30}
